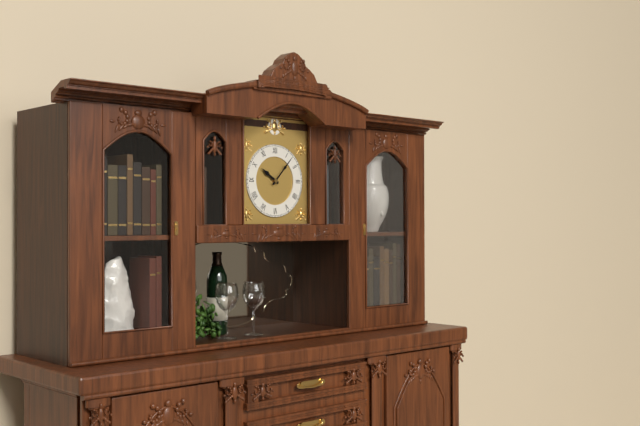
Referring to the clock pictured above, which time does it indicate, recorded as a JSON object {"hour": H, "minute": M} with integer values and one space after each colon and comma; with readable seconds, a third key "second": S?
{"hour": 10, "minute": 7}
